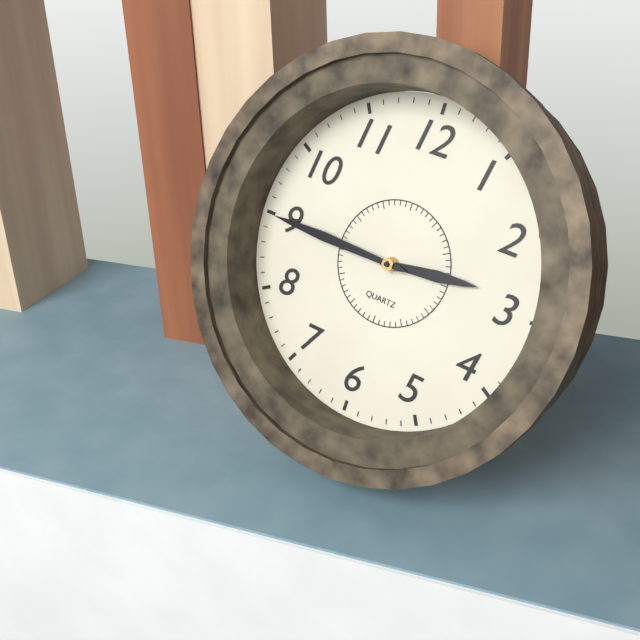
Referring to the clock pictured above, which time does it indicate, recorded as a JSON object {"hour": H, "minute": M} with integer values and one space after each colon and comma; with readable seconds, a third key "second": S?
{"hour": 2, "minute": 45}
